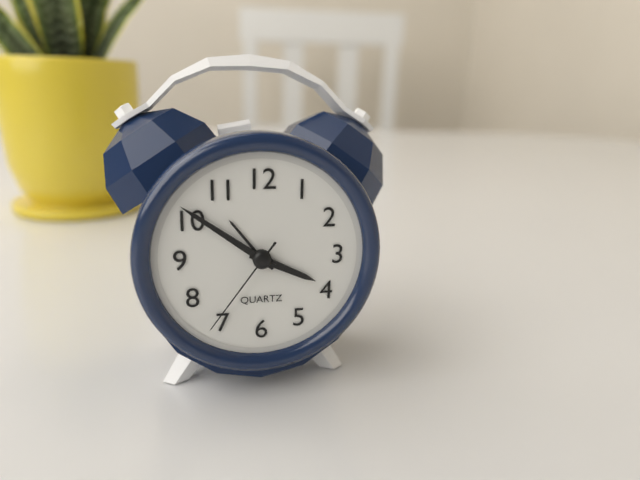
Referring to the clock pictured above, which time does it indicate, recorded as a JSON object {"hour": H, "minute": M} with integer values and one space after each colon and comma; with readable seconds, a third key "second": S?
{"hour": 3, "minute": 51, "second": 36}
